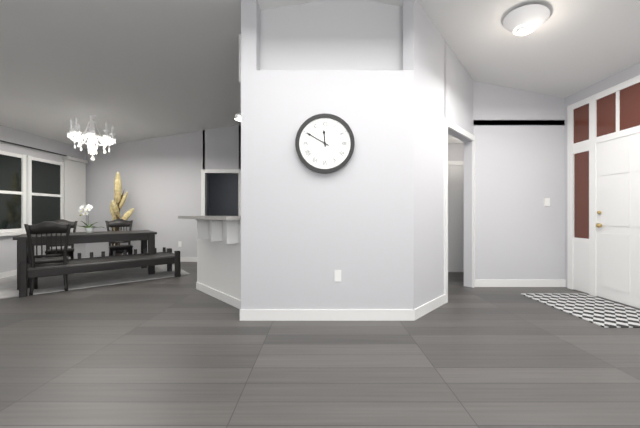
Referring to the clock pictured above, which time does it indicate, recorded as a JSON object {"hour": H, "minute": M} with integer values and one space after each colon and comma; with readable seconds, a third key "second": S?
{"hour": 11, "minute": 50}
